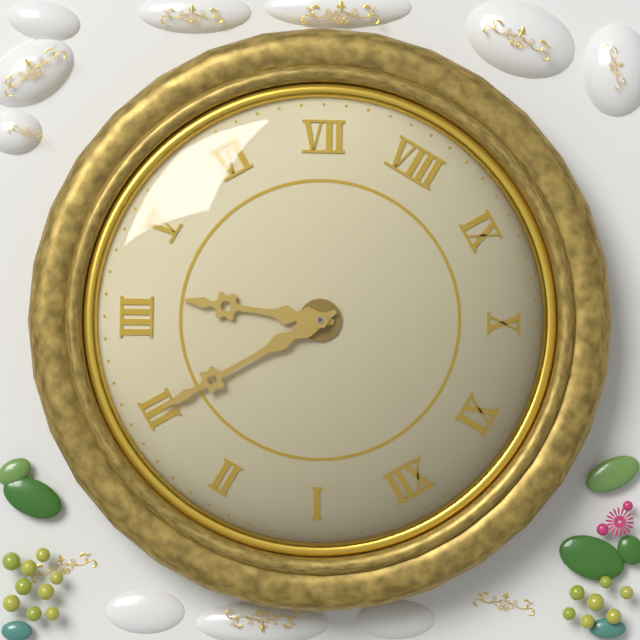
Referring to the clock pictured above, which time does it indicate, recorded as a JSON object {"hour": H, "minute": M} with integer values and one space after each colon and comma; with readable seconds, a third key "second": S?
{"hour": 4, "minute": 15}
